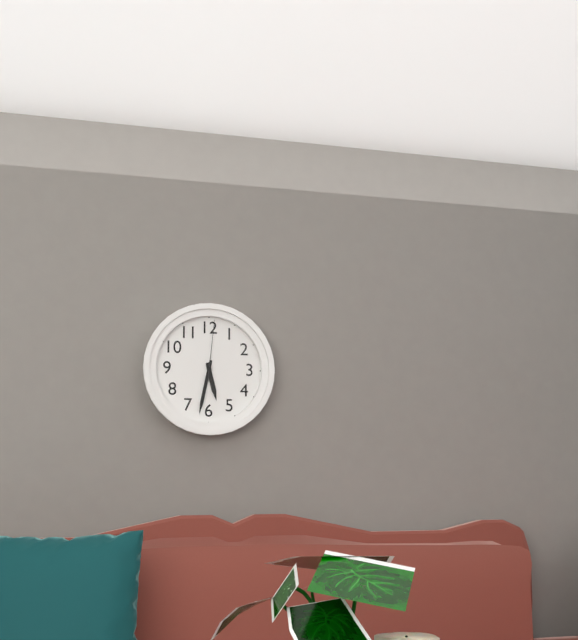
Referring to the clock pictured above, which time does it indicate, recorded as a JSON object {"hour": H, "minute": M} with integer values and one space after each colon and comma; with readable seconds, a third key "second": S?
{"hour": 5, "minute": 32, "second": 1}
